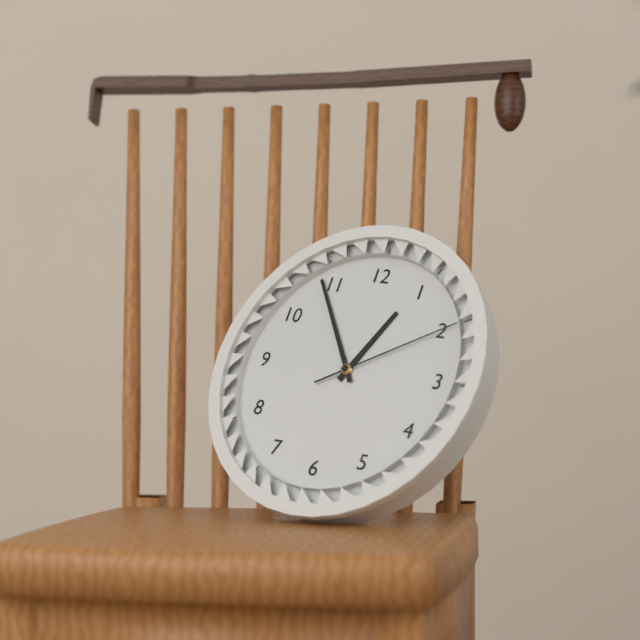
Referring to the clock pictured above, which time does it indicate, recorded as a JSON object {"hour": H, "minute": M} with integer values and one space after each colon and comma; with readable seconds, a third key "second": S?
{"hour": 12, "minute": 54, "second": 10}
